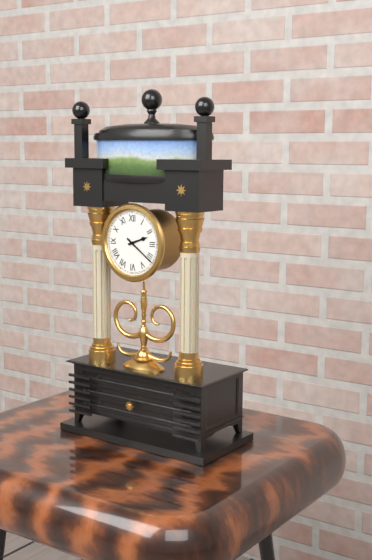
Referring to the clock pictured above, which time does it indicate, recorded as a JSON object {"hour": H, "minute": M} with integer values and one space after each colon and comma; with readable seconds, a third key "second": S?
{"hour": 2, "minute": 21}
